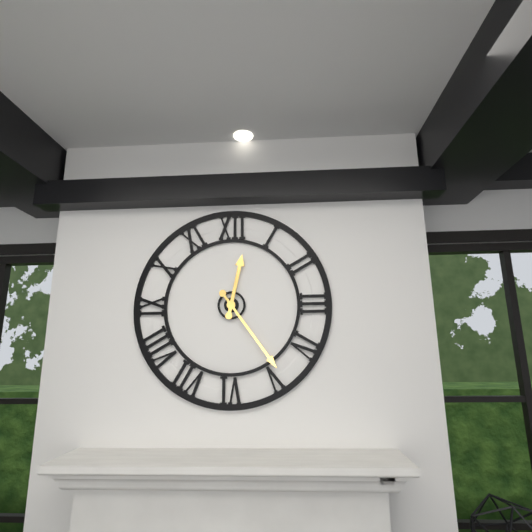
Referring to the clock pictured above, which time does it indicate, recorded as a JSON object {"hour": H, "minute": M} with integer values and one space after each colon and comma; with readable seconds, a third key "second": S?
{"hour": 12, "minute": 24}
